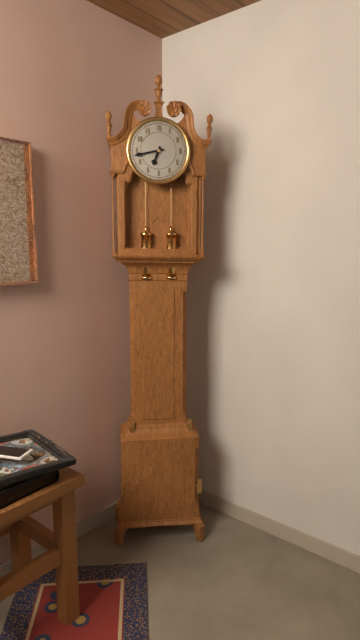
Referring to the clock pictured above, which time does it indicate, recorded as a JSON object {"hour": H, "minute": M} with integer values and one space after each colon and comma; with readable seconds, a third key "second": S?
{"hour": 6, "minute": 43}
